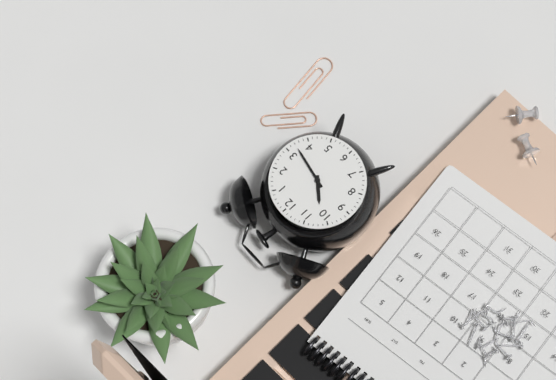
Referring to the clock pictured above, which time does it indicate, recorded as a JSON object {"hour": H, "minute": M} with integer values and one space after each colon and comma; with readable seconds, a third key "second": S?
{"hour": 10, "minute": 17}
